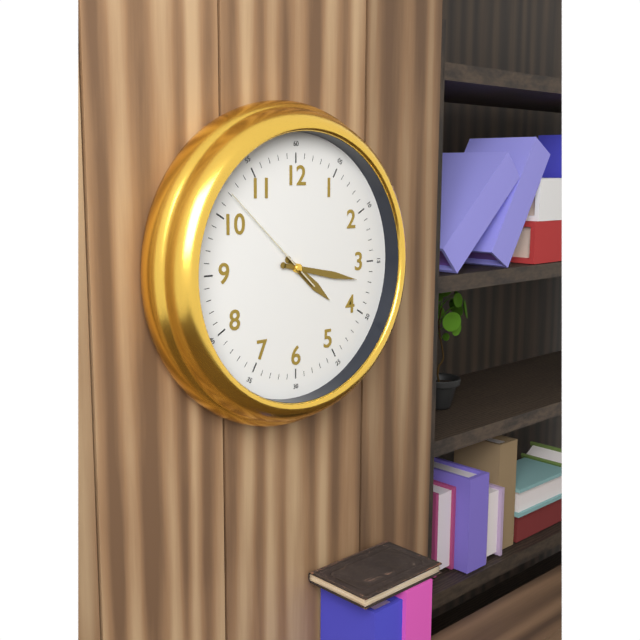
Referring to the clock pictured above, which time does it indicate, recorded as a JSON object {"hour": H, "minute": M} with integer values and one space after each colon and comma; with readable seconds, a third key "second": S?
{"hour": 4, "minute": 17, "second": 52}
